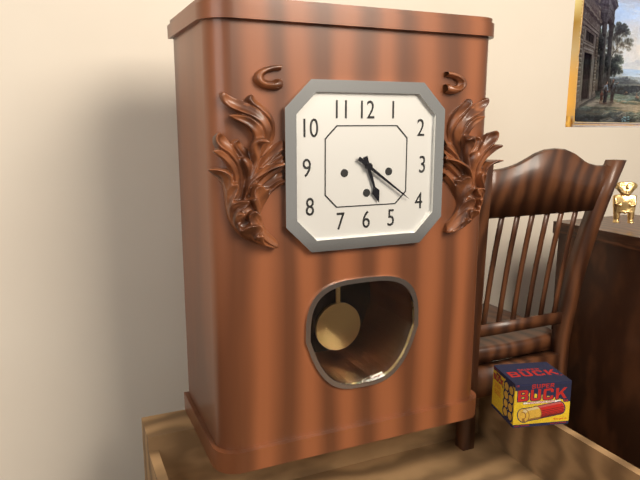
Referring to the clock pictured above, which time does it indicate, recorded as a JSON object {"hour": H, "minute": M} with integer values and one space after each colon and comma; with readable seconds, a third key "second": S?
{"hour": 5, "minute": 21}
